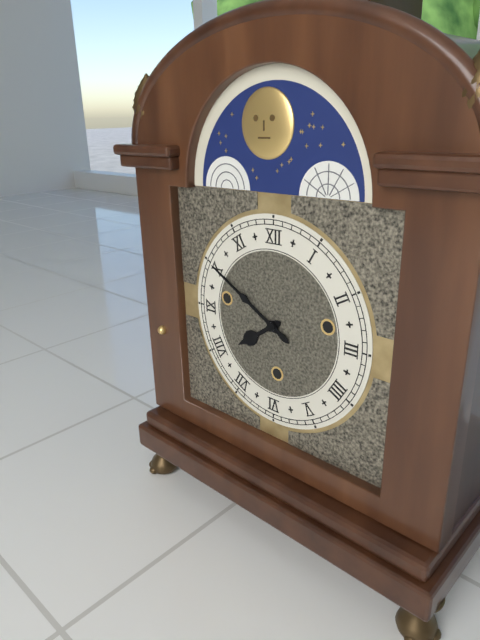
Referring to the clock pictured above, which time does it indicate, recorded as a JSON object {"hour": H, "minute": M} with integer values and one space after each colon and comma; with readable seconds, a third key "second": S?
{"hour": 7, "minute": 50}
